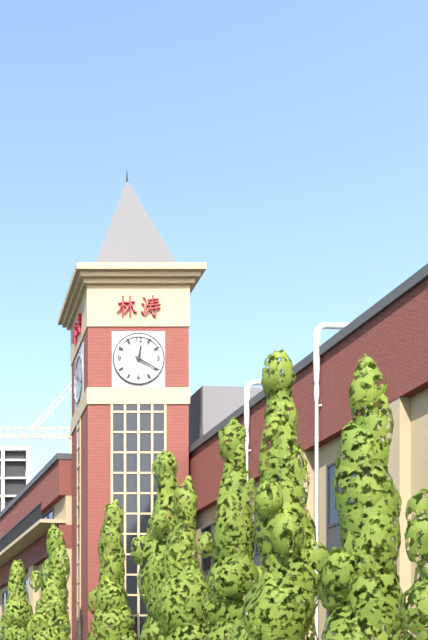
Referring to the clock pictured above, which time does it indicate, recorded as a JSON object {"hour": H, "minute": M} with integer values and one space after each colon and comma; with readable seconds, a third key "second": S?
{"hour": 12, "minute": 20}
